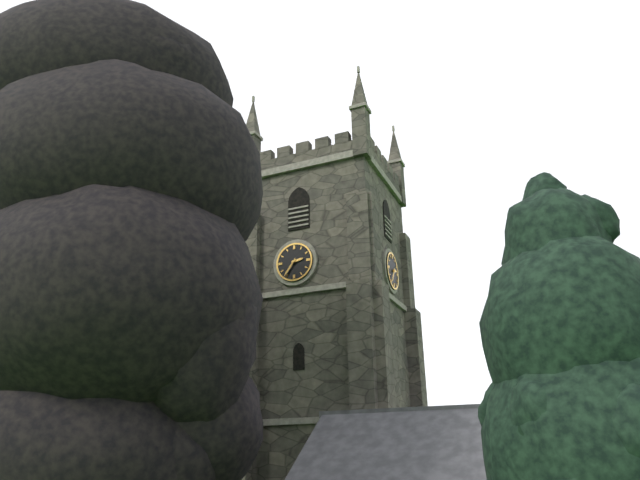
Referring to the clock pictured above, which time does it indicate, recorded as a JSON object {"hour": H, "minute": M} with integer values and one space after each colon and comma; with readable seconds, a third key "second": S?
{"hour": 2, "minute": 36}
